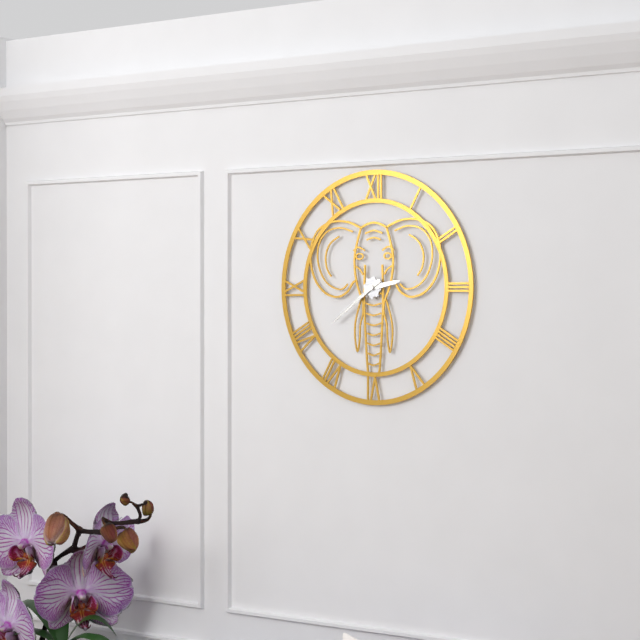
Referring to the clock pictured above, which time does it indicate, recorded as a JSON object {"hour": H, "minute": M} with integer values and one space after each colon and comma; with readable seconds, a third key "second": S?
{"hour": 2, "minute": 39}
